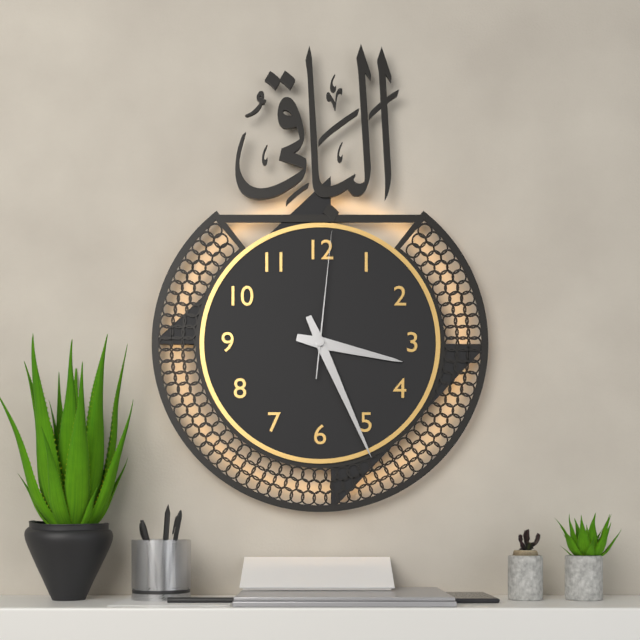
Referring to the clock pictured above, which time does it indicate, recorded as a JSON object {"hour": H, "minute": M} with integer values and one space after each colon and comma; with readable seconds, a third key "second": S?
{"hour": 3, "minute": 26, "second": 1}
